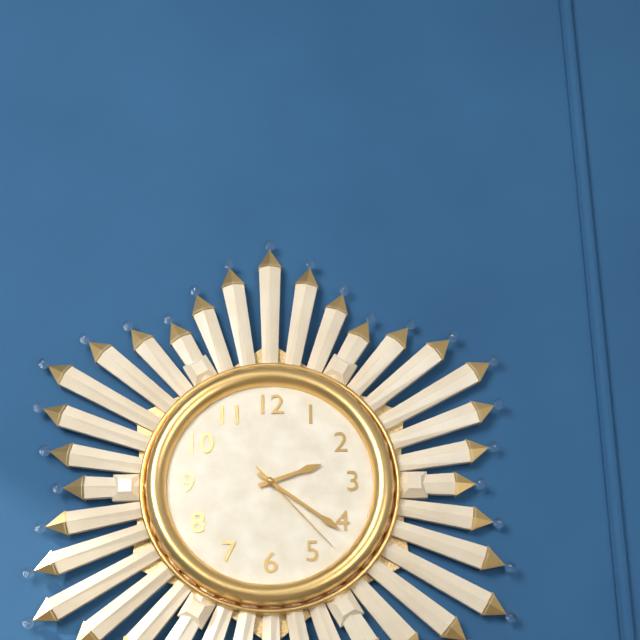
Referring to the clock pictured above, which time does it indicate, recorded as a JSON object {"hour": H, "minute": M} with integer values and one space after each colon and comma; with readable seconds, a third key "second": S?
{"hour": 2, "minute": 21, "second": 23}
